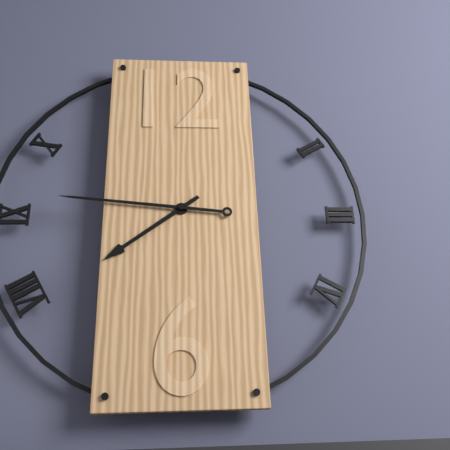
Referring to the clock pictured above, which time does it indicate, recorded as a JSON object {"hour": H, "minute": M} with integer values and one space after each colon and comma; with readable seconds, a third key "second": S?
{"hour": 7, "minute": 46}
